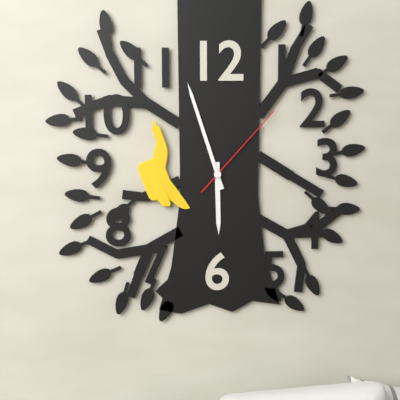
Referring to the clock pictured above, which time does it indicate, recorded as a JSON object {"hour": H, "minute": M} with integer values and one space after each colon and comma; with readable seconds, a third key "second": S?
{"hour": 5, "minute": 57, "second": 7}
